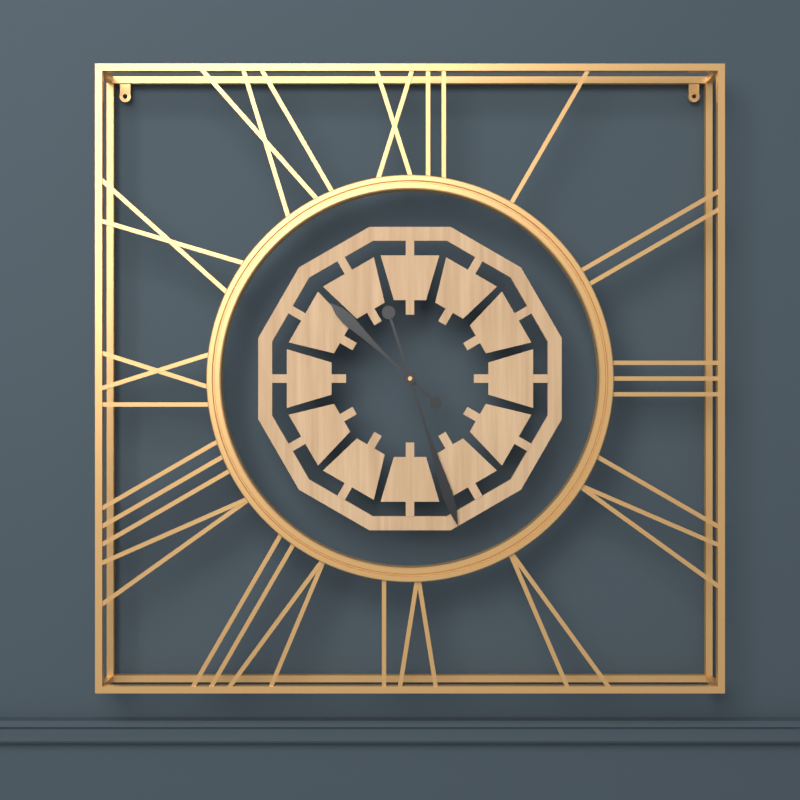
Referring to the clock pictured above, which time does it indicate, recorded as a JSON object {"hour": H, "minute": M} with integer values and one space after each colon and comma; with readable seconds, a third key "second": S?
{"hour": 10, "minute": 27}
